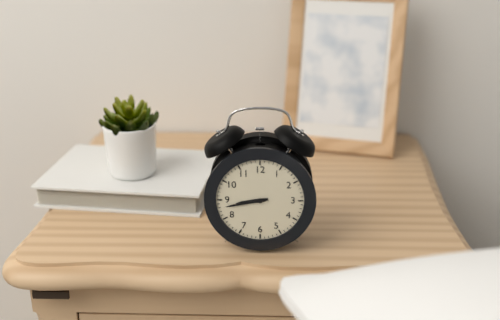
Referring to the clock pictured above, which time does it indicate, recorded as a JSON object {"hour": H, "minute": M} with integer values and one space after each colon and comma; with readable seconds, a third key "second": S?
{"hour": 8, "minute": 43}
